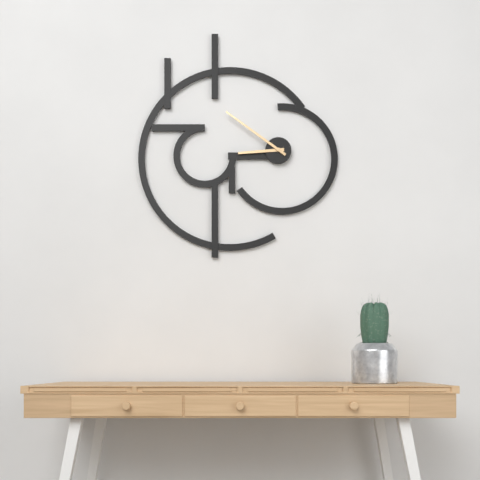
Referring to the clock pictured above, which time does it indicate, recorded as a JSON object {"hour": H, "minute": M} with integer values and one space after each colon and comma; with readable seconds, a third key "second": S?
{"hour": 8, "minute": 51}
